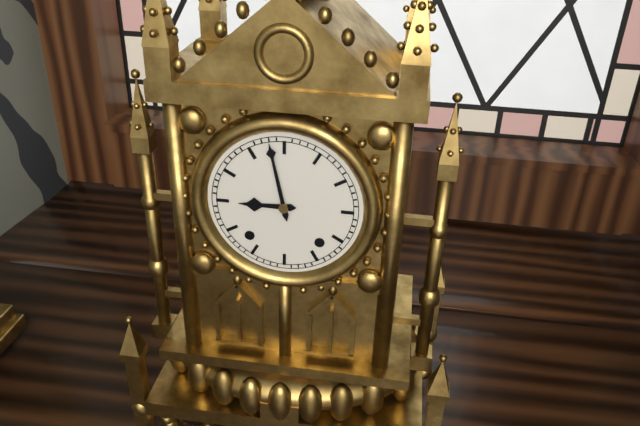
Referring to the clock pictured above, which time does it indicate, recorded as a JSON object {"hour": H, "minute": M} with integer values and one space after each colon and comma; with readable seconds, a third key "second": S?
{"hour": 8, "minute": 58}
